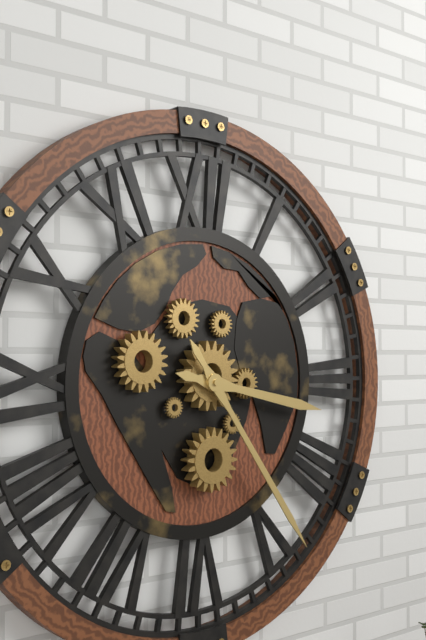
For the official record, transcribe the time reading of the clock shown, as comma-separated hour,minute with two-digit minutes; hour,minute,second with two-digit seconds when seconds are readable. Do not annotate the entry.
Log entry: 3,24
